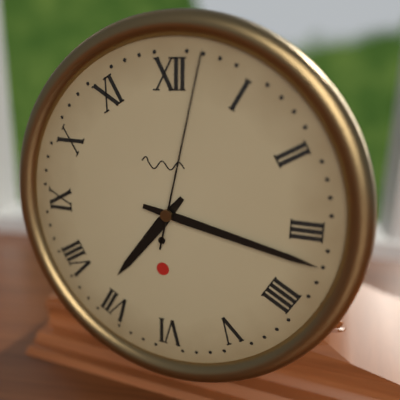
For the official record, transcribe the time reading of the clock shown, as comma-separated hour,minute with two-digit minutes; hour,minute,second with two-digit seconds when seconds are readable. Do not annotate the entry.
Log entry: 7,17,02
